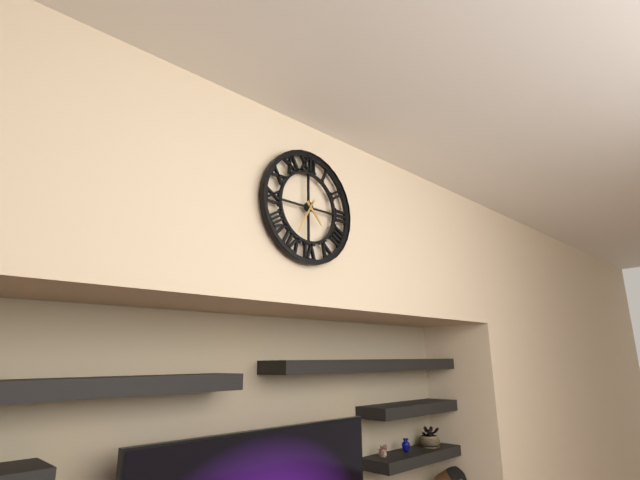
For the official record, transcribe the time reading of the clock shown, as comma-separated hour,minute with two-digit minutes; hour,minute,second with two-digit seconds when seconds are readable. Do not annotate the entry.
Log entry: 4,35
